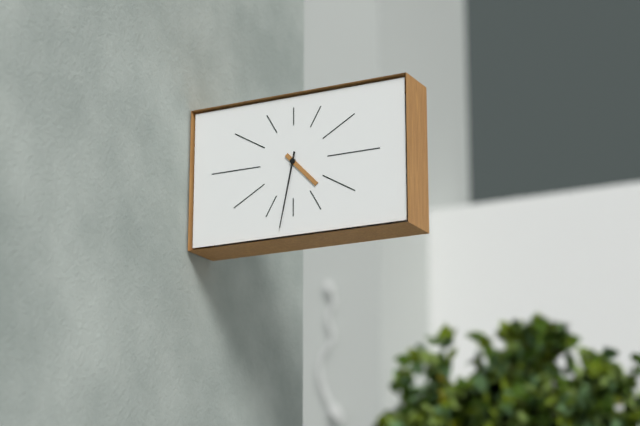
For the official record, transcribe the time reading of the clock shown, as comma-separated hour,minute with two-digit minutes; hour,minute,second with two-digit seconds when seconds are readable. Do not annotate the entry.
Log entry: 4,32
